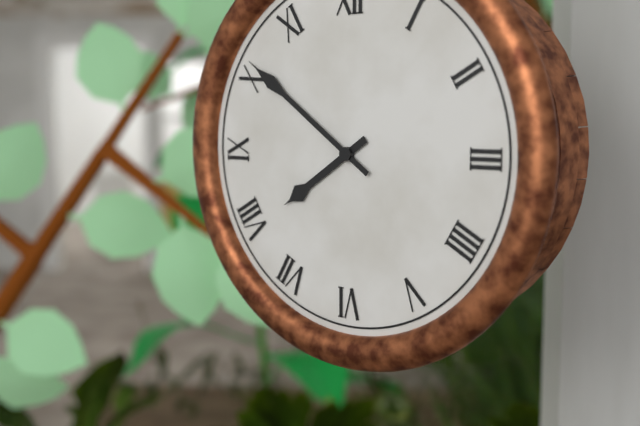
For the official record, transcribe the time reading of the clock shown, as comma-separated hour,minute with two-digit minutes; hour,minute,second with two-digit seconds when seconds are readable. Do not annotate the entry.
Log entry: 7,51
